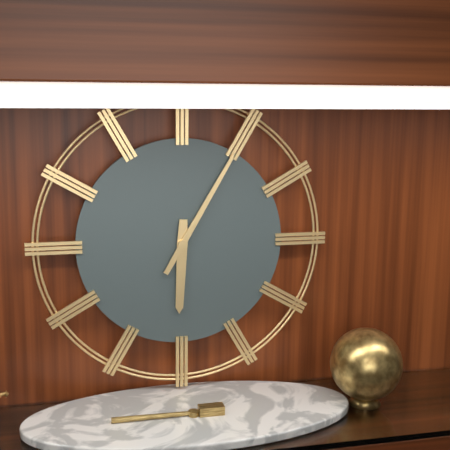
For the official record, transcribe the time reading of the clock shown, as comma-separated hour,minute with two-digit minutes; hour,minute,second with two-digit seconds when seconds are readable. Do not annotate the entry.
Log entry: 6,05
